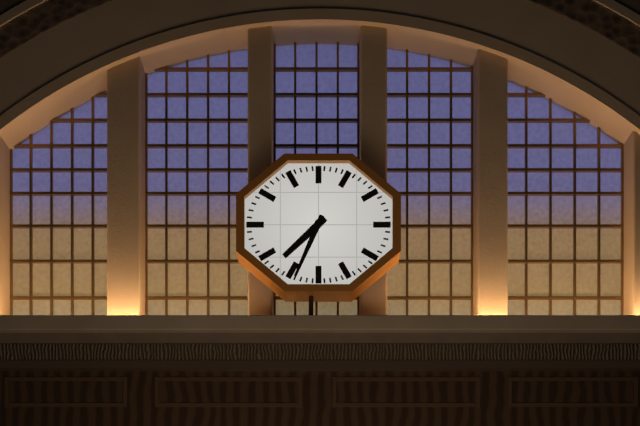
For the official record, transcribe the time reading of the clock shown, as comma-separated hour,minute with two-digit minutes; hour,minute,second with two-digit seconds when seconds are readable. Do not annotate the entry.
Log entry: 7,34
